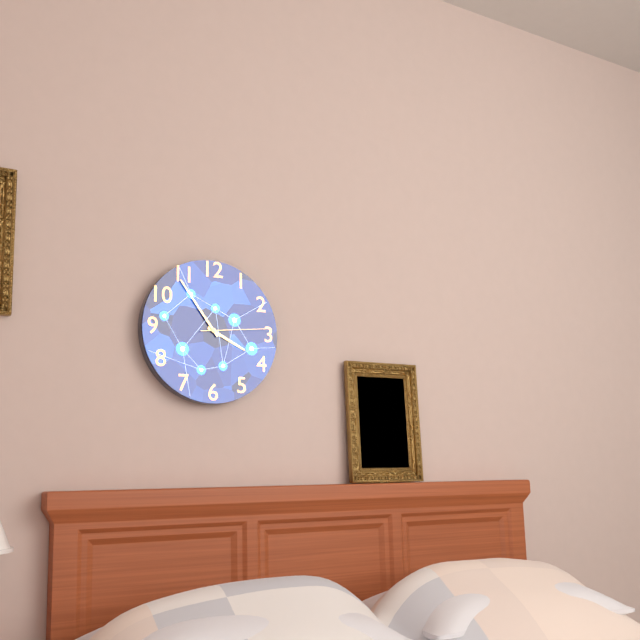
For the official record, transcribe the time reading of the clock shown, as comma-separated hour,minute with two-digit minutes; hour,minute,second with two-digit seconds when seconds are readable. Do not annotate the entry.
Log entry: 3,54,14
